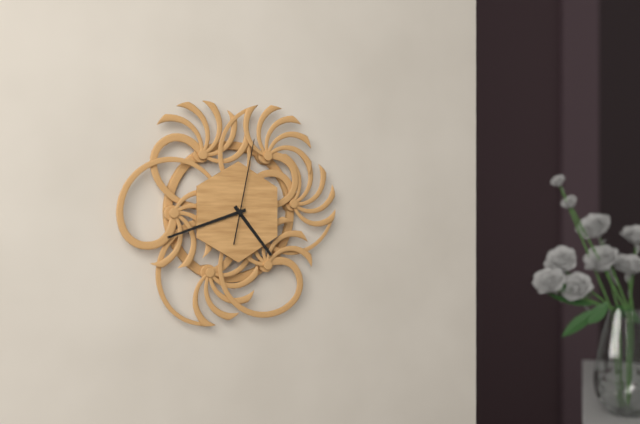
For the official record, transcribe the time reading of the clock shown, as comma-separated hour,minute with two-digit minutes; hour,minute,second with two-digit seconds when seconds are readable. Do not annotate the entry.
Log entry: 4,42,02
